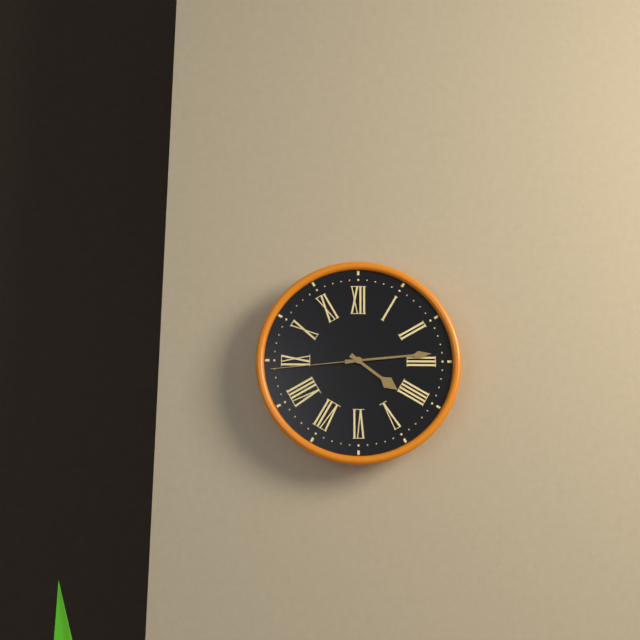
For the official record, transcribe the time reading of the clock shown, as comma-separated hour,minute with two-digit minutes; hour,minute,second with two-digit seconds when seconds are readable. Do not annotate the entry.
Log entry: 4,14,44
